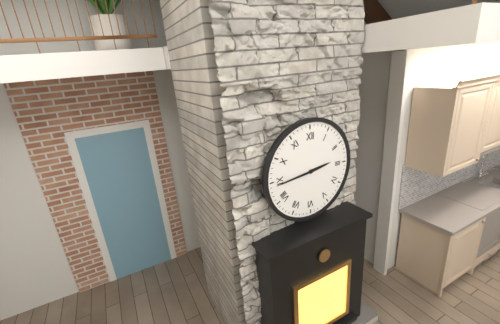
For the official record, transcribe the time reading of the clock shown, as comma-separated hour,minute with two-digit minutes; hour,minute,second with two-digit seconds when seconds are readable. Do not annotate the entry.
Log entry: 2,44
